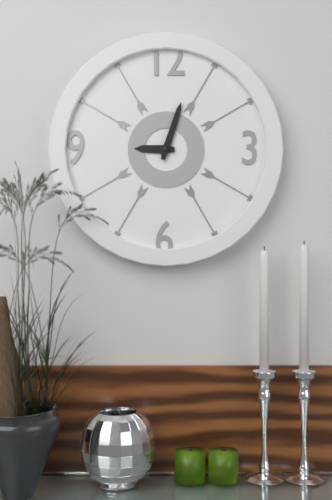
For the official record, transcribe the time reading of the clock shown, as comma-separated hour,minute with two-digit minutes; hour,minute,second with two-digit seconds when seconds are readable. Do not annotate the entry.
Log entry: 9,03
